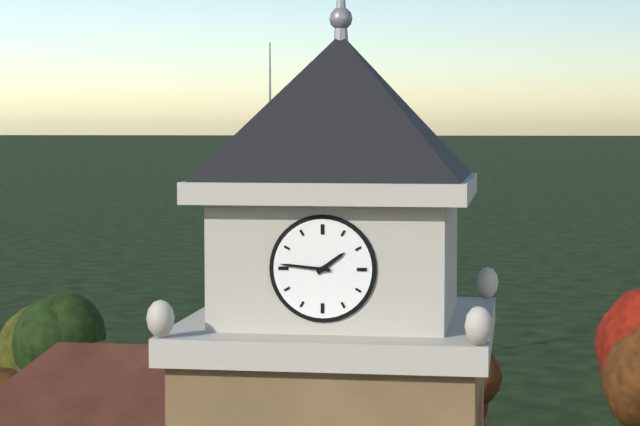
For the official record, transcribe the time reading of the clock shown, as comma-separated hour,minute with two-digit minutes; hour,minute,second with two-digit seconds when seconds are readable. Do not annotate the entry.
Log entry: 1,46
